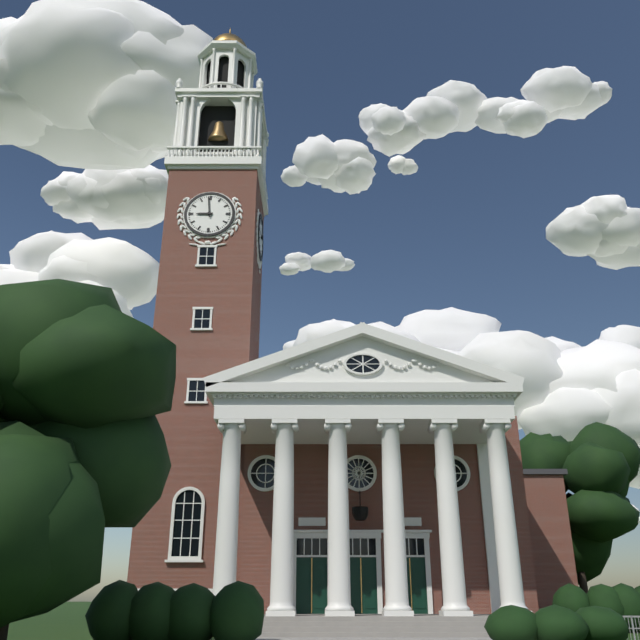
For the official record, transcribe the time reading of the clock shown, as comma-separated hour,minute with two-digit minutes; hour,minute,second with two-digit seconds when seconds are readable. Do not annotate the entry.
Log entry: 8,59
